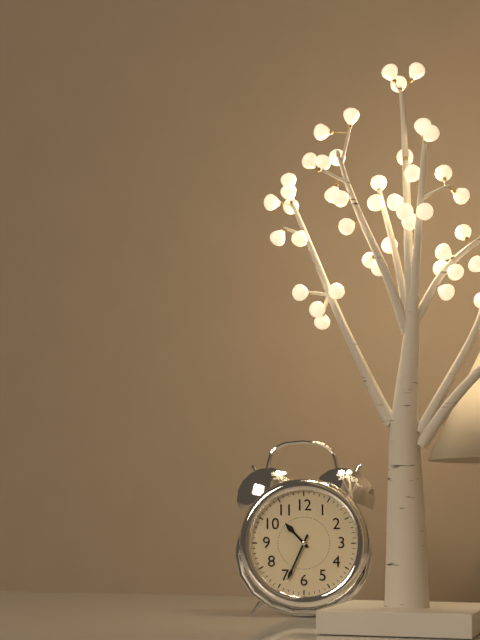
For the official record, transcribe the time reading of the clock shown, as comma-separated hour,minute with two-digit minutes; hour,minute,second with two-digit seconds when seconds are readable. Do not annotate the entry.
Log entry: 10,34
